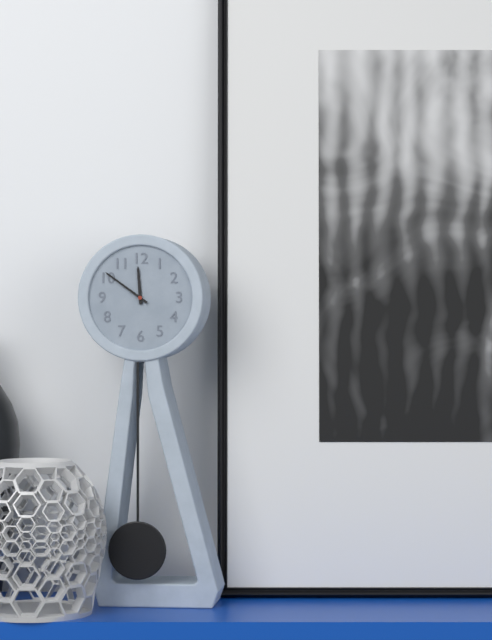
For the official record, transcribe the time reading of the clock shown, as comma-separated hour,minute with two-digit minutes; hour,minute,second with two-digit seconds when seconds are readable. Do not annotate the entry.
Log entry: 11,51
